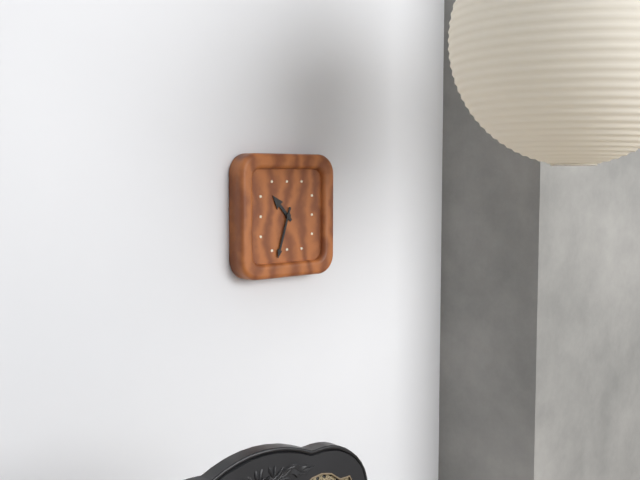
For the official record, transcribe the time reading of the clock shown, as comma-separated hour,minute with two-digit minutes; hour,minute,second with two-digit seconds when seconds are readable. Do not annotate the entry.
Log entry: 10,33
